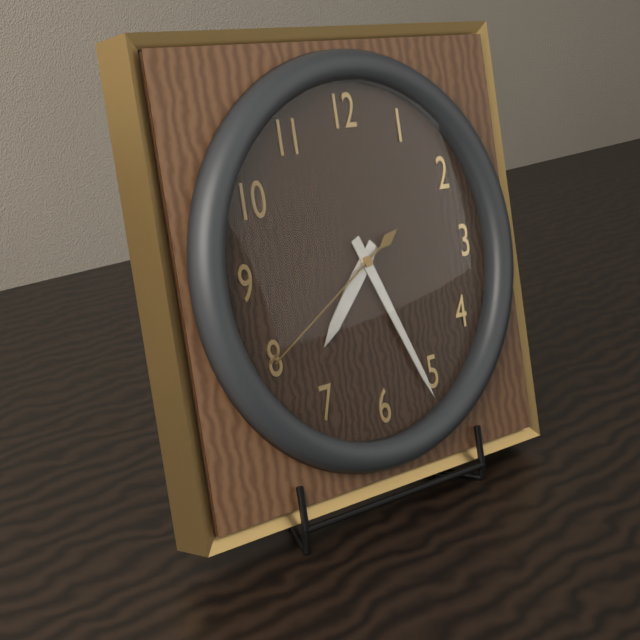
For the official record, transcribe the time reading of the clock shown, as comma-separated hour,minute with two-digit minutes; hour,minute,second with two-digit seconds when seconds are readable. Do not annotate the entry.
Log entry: 7,26,40
